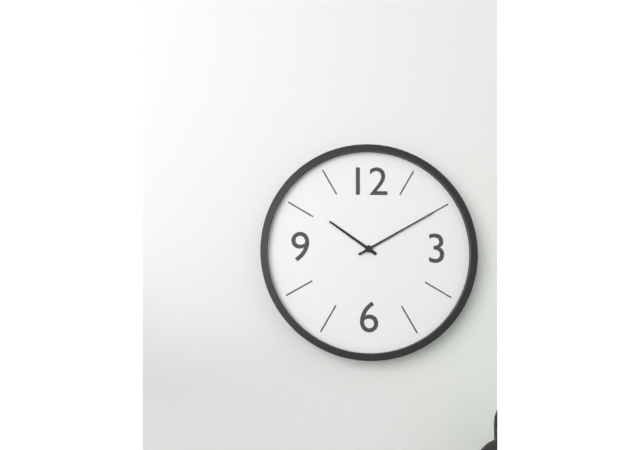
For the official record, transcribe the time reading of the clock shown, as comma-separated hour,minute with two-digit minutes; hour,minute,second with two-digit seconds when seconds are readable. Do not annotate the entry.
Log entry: 10,10
